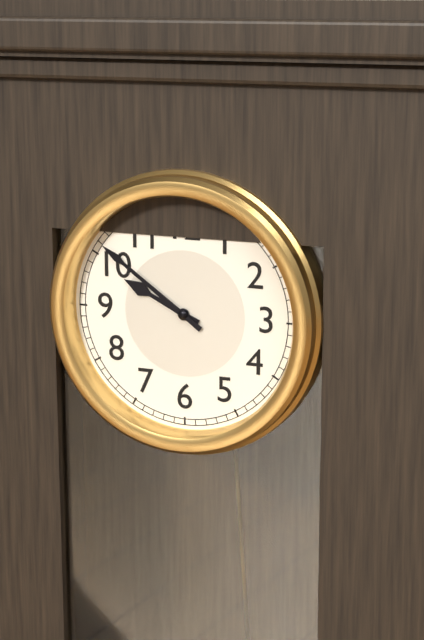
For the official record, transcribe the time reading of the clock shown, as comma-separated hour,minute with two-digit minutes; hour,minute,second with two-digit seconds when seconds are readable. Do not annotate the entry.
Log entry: 9,51
